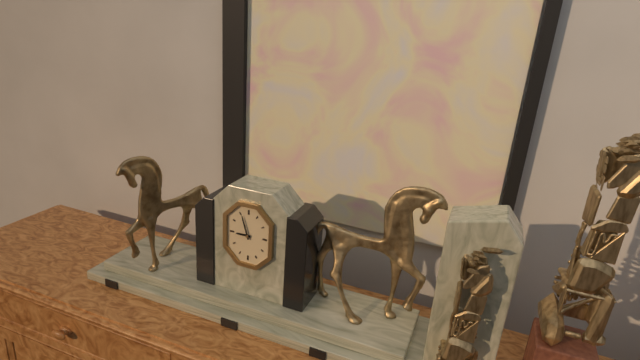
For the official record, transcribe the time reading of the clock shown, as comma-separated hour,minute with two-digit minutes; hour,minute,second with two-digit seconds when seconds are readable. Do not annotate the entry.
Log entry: 8,57
